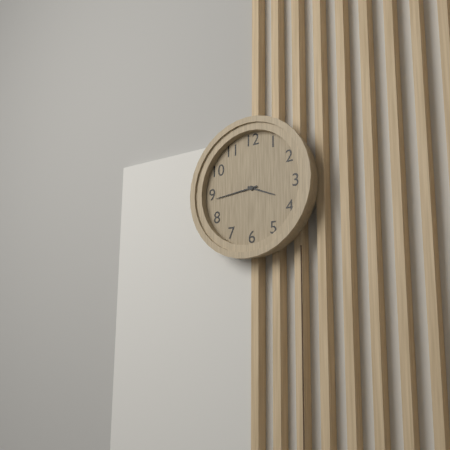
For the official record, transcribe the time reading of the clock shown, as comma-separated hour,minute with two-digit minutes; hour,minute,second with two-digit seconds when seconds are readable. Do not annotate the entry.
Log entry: 3,44
